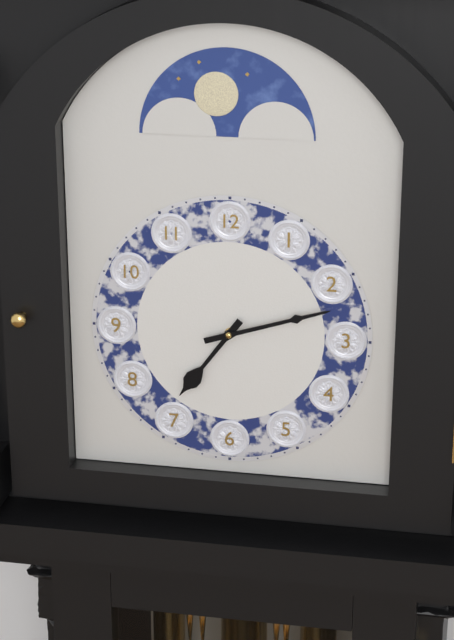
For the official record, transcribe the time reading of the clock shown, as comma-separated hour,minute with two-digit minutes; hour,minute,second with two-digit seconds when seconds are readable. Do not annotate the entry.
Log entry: 7,12
